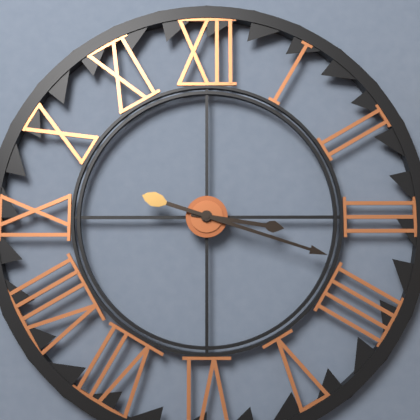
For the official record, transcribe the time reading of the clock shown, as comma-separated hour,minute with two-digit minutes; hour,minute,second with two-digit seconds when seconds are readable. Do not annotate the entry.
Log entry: 3,18
